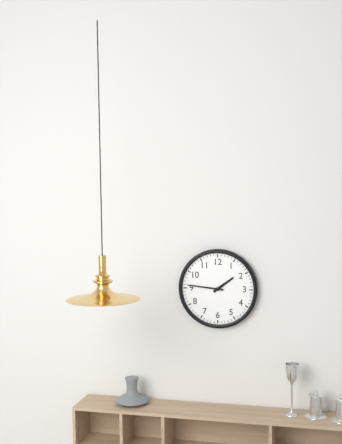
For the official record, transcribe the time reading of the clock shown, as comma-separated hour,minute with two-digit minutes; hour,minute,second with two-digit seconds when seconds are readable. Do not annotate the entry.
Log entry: 1,46
